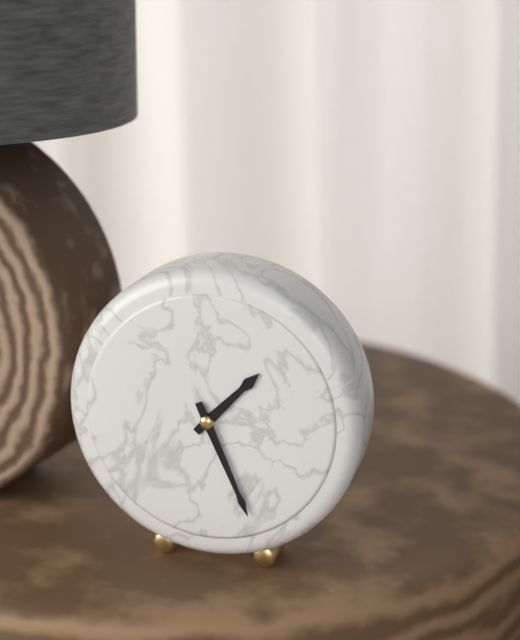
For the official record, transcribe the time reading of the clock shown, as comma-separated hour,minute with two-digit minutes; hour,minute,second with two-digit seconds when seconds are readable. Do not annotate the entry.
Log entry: 1,26
